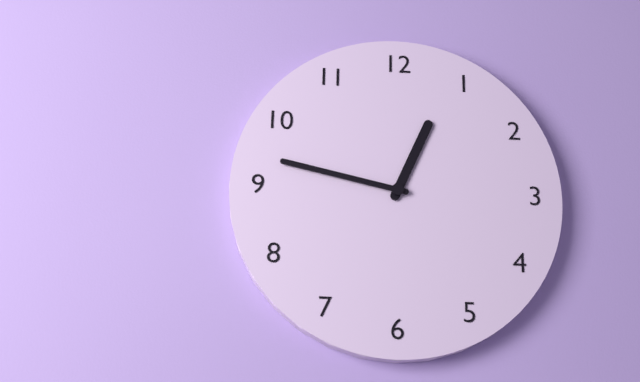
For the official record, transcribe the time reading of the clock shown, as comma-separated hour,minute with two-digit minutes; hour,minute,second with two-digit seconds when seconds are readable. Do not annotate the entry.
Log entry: 12,47
